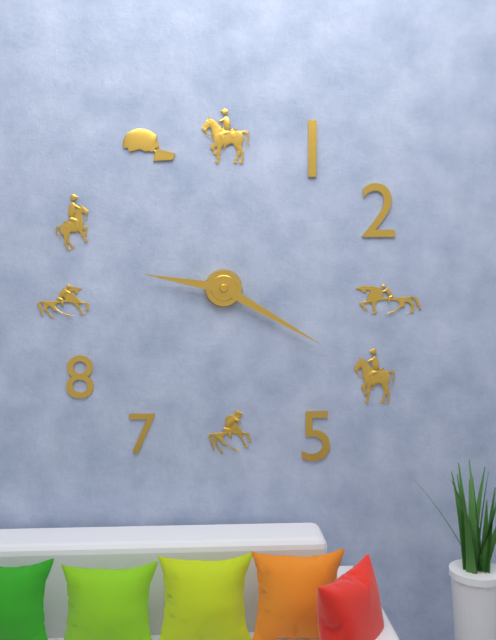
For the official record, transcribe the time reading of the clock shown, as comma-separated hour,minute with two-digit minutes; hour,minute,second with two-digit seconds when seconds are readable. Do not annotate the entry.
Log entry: 9,20
